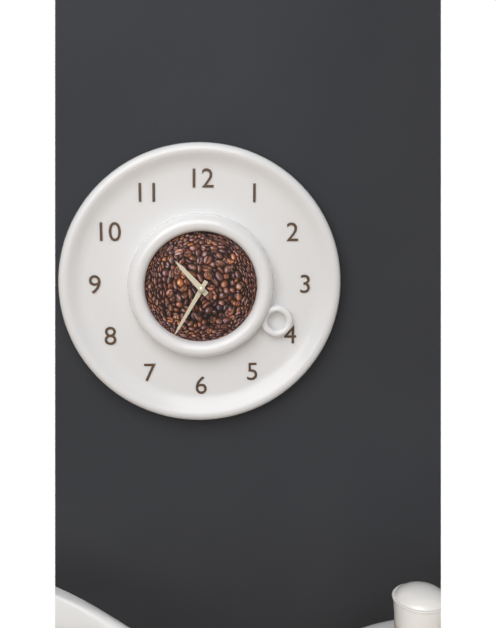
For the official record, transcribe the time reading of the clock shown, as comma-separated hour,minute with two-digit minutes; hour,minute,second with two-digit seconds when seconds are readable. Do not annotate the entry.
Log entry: 10,35
